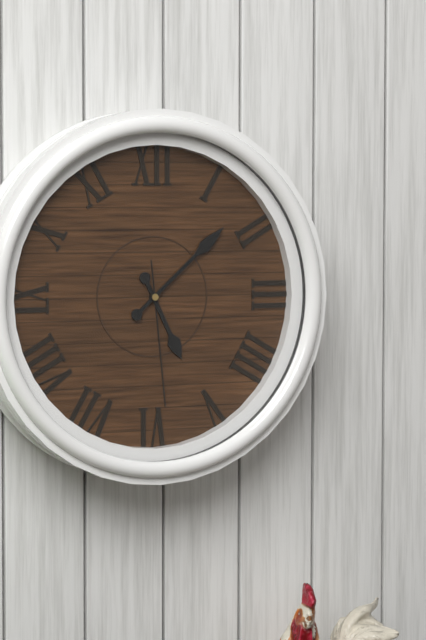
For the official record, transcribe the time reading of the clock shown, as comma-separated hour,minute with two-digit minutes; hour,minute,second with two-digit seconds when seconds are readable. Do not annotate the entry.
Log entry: 5,08,29
